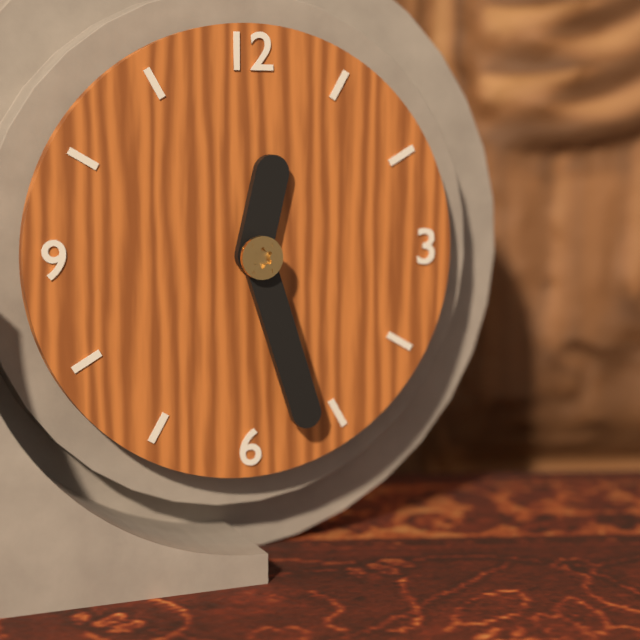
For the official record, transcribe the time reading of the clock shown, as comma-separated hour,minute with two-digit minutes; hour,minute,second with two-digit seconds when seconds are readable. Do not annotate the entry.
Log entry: 12,27
